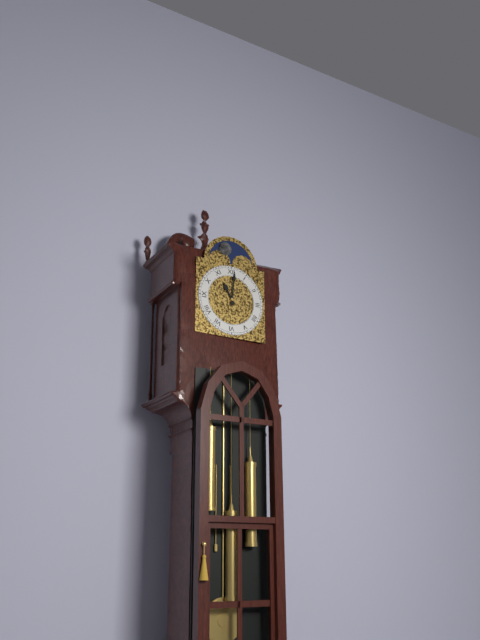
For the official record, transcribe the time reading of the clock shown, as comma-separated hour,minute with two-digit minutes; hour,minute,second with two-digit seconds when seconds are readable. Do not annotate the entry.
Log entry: 11,01
